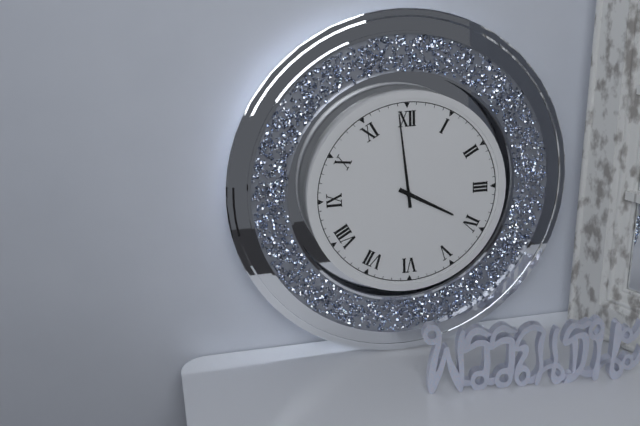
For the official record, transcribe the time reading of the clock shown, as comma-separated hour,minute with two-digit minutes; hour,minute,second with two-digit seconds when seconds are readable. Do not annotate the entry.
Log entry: 3,59
